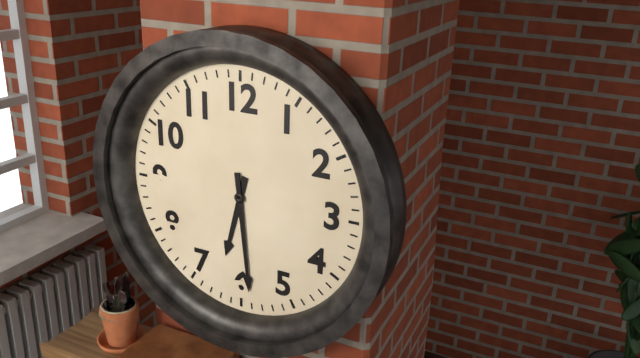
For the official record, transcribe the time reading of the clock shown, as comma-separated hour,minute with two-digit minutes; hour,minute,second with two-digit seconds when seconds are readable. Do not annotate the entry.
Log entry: 6,29
